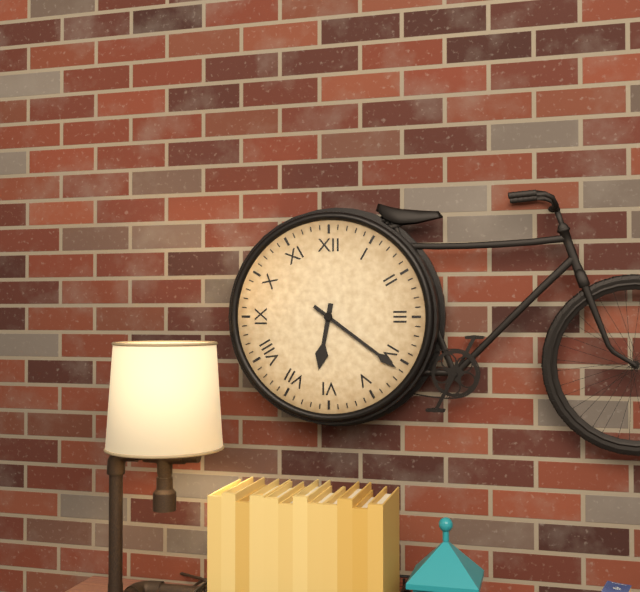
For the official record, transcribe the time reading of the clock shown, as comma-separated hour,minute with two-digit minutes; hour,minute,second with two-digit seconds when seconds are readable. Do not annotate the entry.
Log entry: 6,21
